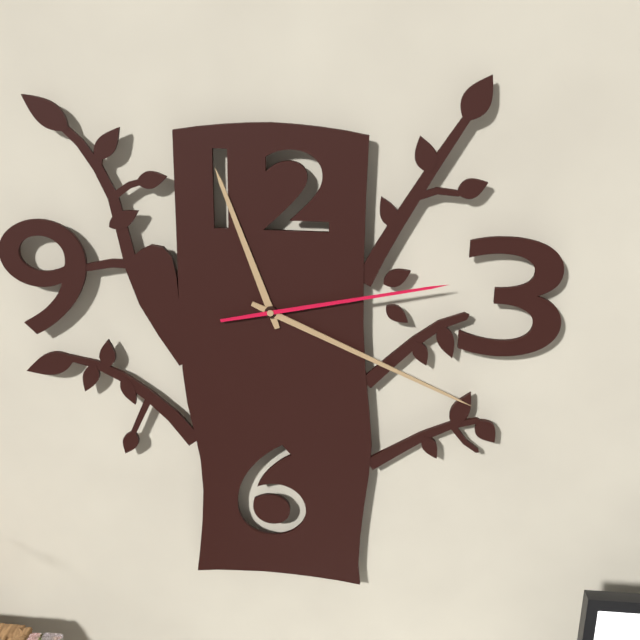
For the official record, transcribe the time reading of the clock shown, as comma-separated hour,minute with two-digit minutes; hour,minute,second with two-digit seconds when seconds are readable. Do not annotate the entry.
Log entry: 11,19,13
